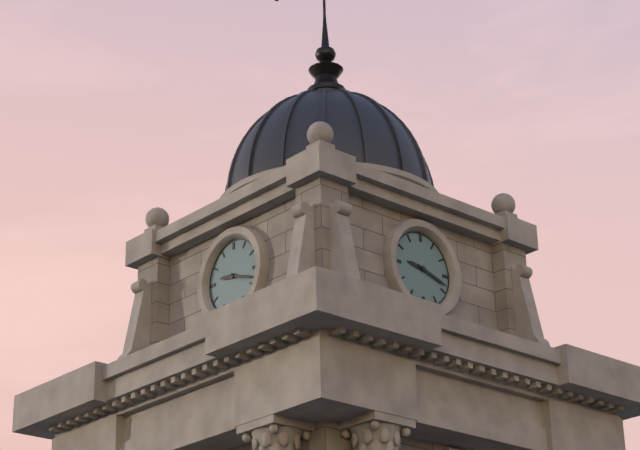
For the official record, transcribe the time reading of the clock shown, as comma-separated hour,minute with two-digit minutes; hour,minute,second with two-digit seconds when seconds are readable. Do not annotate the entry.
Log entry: 9,18
